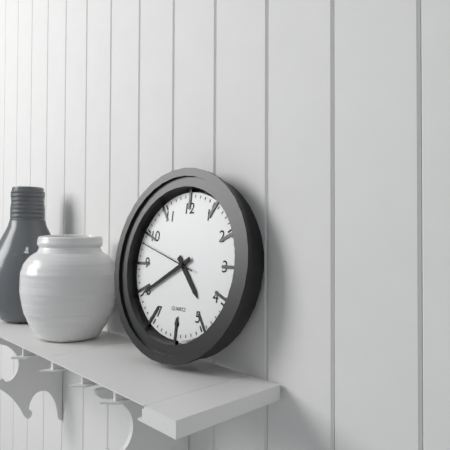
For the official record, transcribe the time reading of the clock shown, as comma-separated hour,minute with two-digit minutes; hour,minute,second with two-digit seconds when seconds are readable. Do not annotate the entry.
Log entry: 4,40,48
